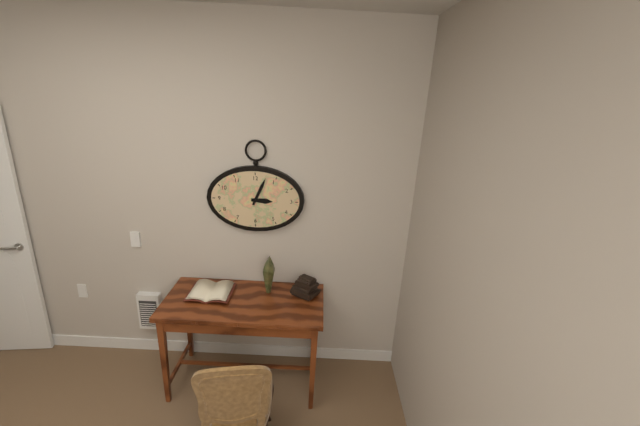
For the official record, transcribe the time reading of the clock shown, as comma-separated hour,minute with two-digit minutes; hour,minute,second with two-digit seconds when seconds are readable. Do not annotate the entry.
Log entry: 3,04
